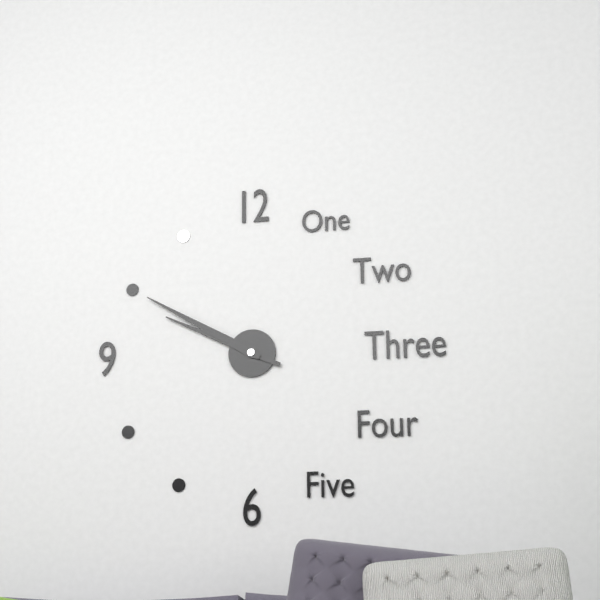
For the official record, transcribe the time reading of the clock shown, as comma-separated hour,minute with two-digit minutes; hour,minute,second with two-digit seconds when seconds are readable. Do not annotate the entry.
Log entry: 9,50
